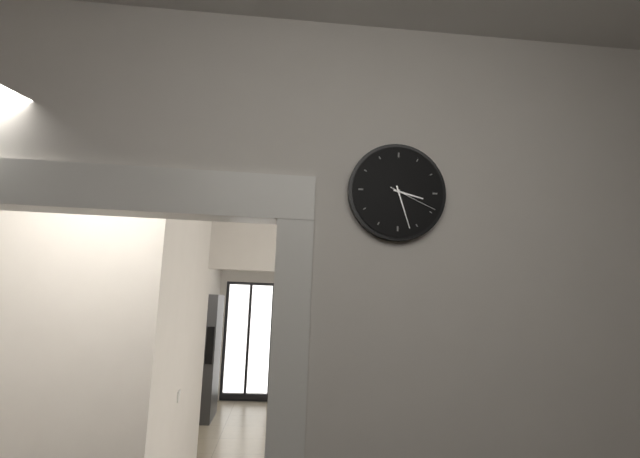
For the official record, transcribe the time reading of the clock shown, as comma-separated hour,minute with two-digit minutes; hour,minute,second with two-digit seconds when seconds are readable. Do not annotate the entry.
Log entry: 3,27,19
